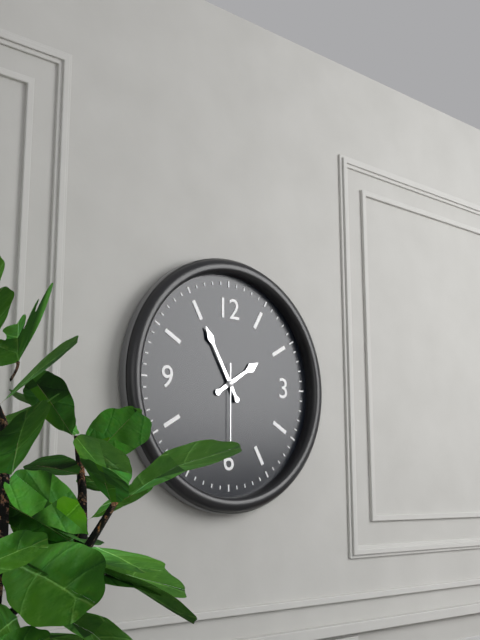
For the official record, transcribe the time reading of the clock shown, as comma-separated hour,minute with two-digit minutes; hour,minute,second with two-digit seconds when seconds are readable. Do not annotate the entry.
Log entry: 1,55,30
